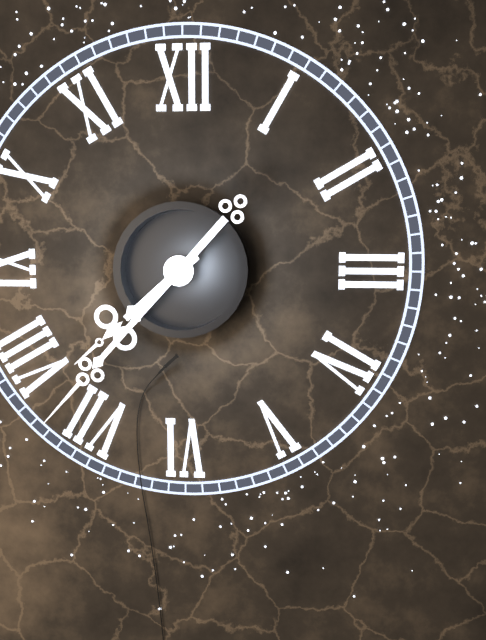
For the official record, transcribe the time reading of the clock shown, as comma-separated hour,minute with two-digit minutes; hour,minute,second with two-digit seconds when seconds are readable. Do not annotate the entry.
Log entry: 7,37
